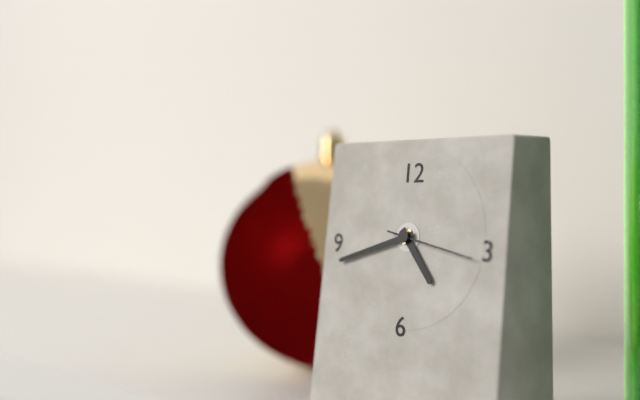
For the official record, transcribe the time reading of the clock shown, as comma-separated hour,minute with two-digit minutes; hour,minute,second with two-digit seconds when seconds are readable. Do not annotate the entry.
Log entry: 4,42,17
